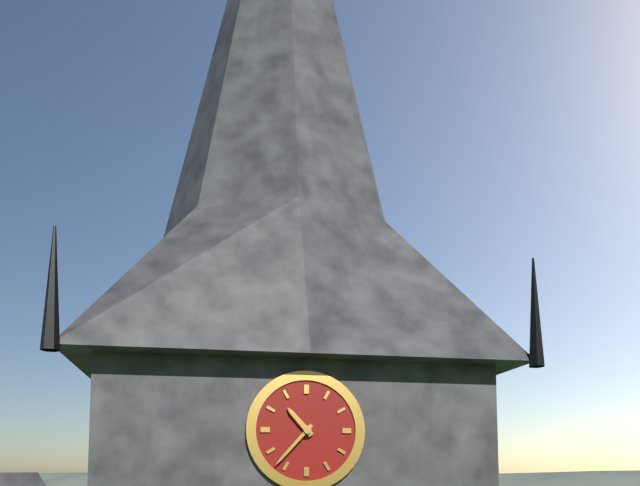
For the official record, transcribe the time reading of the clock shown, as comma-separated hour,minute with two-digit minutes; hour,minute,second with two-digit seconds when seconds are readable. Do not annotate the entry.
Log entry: 10,37
